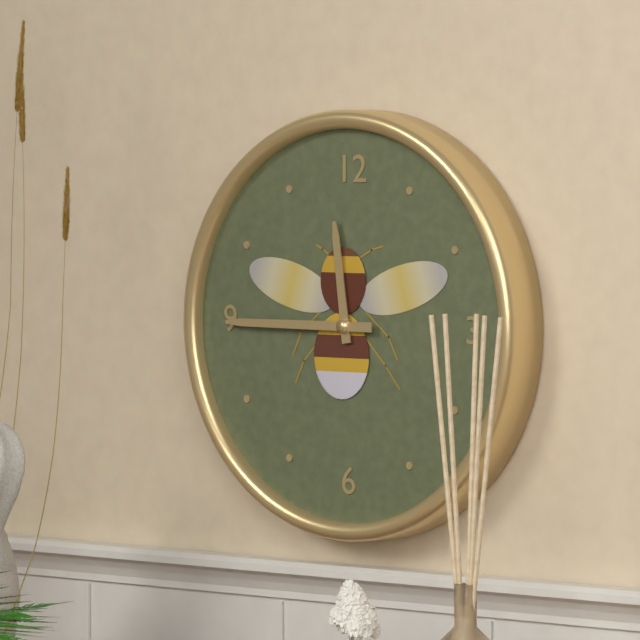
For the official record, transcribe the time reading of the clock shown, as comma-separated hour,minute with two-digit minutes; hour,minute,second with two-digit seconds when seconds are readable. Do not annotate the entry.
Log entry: 11,45
